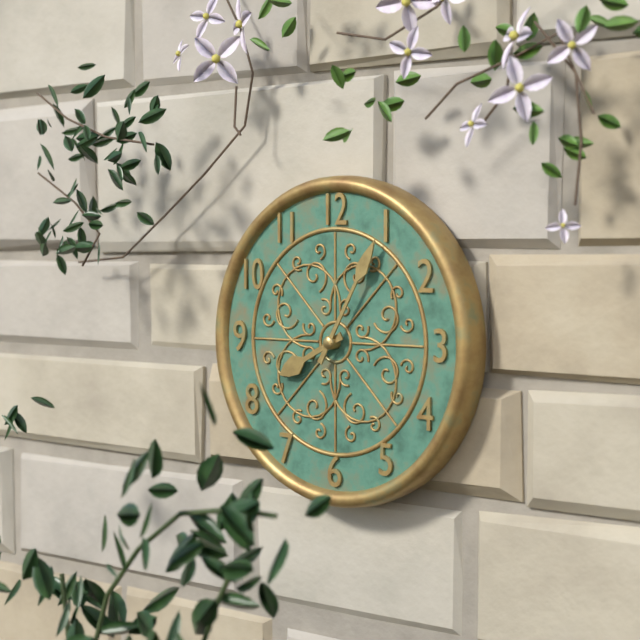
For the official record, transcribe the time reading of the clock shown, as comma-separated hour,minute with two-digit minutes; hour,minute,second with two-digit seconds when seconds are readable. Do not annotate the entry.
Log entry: 8,05
